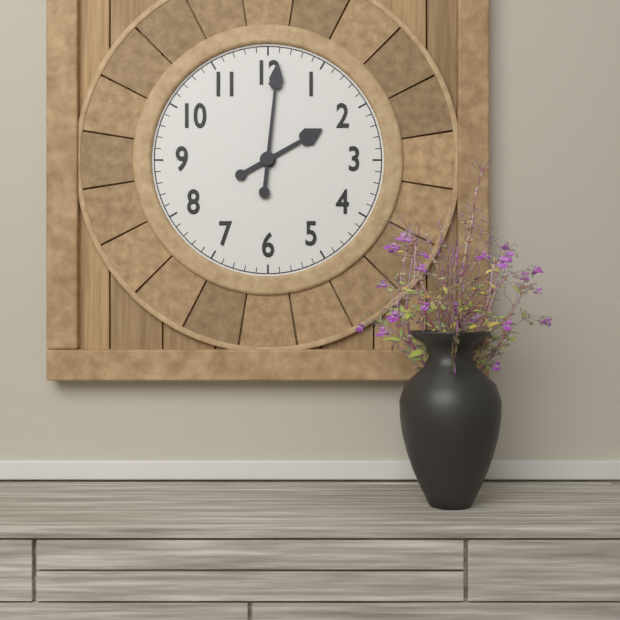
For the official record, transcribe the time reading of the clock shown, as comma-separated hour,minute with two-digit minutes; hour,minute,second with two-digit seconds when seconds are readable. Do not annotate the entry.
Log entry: 2,01
